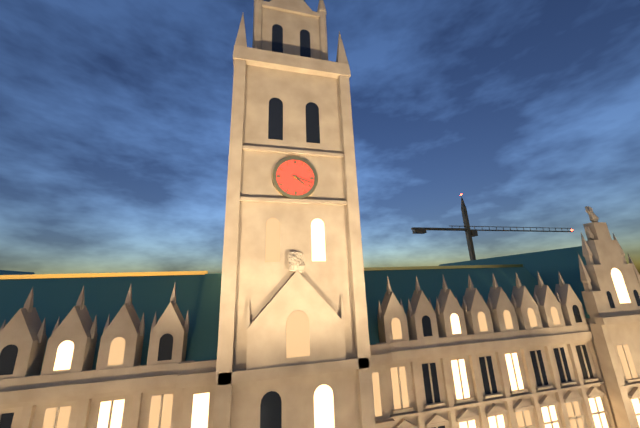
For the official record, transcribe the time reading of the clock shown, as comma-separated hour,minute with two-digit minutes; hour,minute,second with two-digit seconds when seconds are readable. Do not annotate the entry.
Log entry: 4,18
